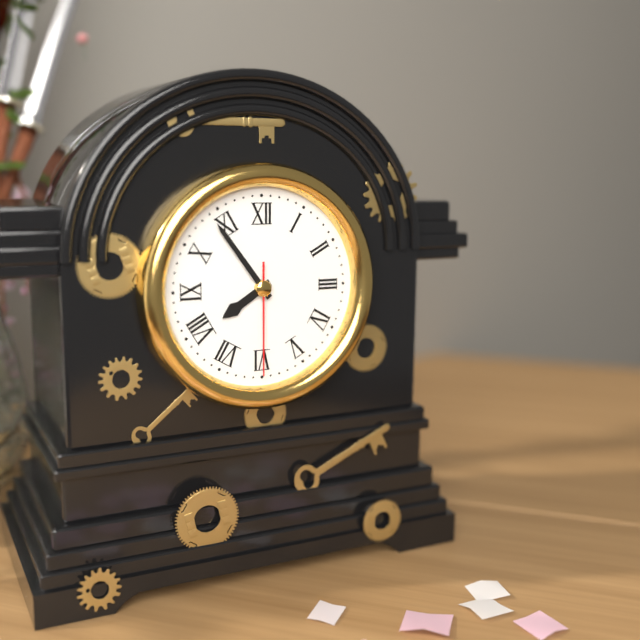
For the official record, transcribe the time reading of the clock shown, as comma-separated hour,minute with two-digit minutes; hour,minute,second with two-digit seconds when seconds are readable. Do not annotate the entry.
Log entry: 7,54,30
